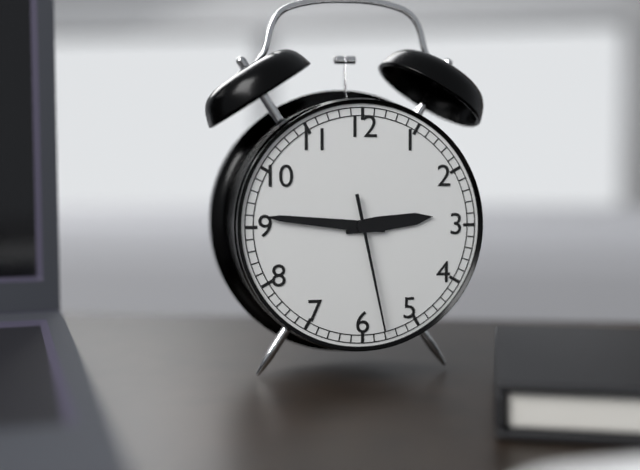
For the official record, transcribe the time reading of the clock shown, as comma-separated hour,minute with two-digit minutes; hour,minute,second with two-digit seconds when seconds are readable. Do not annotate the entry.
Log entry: 2,46,28
